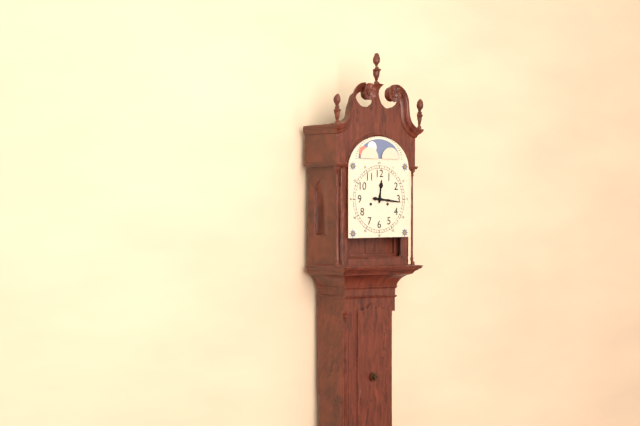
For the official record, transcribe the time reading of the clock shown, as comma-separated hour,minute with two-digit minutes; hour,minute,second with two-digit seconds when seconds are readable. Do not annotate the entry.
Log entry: 12,16
